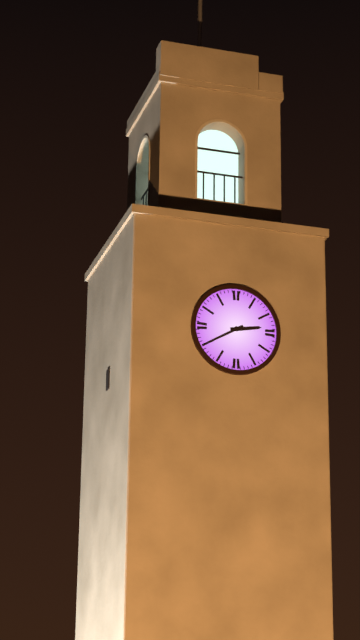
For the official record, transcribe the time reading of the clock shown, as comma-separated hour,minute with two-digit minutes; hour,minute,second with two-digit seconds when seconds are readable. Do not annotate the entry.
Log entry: 2,40
